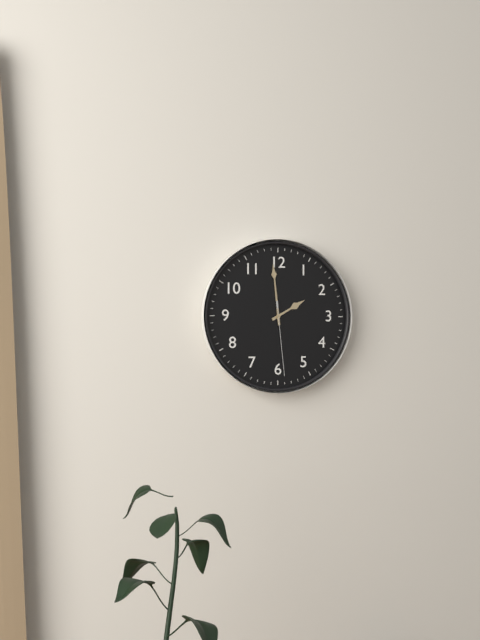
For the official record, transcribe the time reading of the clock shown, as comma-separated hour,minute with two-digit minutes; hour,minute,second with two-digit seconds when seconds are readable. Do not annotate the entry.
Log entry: 1,59,29
